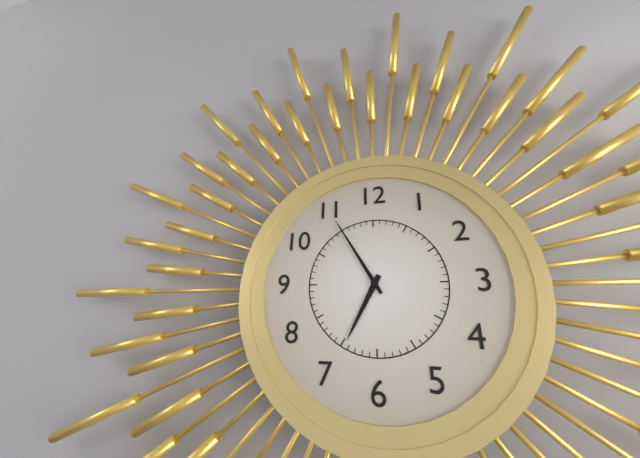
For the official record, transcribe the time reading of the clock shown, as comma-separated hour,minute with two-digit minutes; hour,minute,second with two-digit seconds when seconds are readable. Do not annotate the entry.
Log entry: 6,55
